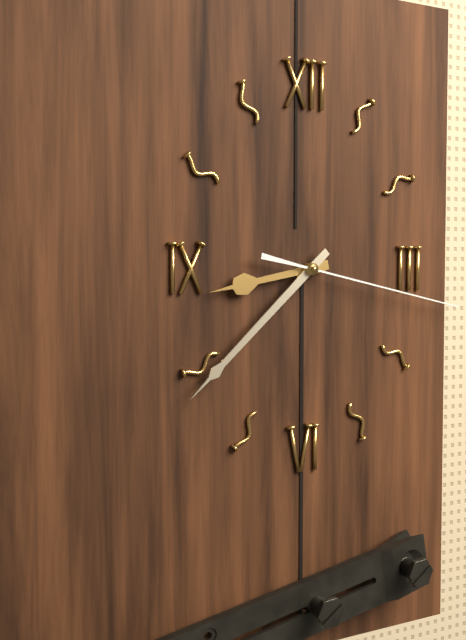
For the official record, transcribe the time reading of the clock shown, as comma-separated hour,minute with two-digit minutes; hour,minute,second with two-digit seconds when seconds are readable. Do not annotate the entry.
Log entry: 8,38,17
